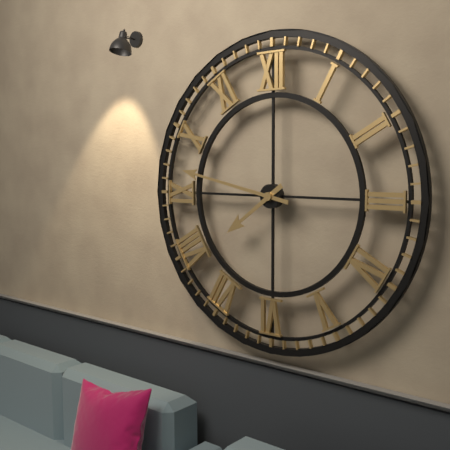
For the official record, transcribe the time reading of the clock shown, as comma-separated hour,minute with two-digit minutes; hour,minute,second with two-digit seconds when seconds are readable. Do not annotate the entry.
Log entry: 7,47
